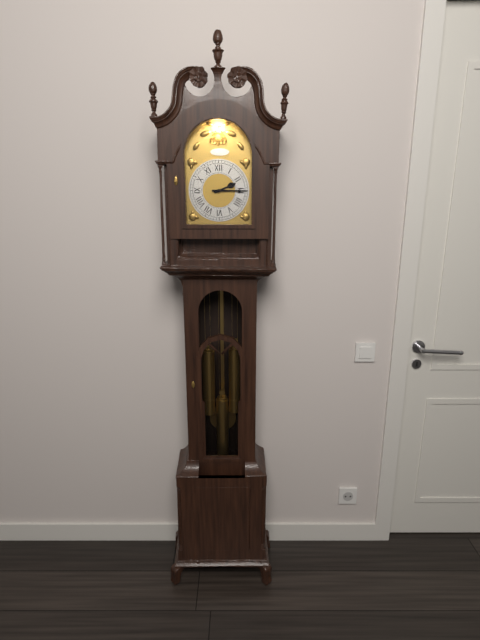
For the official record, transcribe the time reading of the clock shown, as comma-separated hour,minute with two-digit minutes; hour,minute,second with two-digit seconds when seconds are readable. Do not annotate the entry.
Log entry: 2,15
